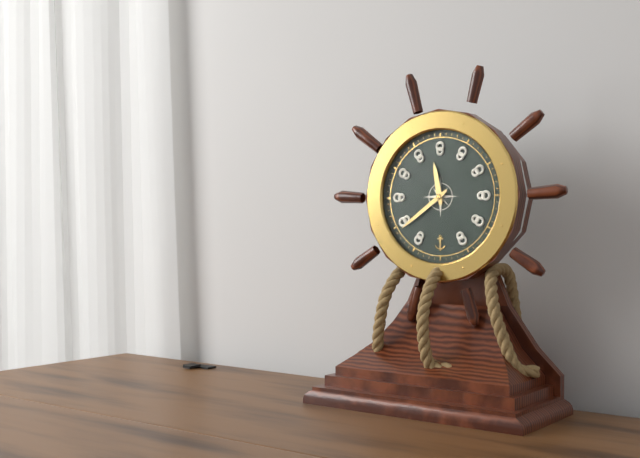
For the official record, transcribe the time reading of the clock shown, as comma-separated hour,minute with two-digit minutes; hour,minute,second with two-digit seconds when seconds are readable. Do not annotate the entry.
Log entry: 11,39
